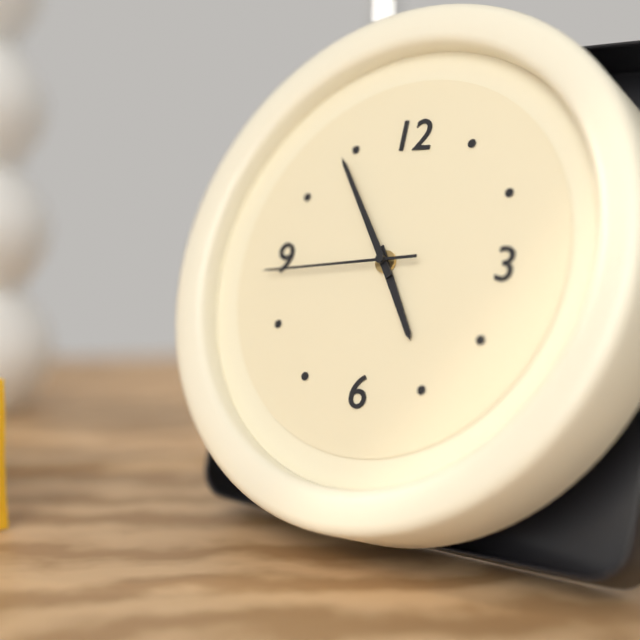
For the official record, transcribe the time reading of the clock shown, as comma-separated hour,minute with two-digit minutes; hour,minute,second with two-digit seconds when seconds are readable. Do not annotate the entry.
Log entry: 4,54,44
